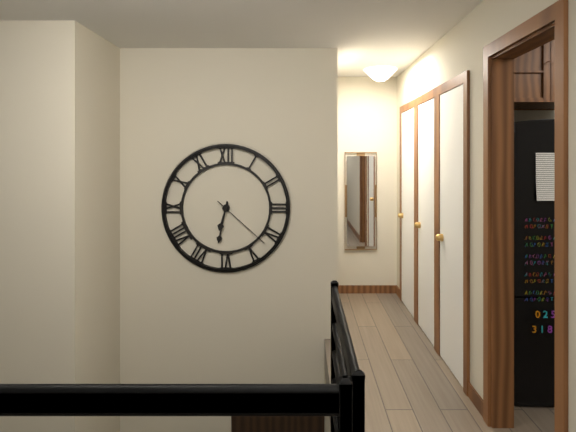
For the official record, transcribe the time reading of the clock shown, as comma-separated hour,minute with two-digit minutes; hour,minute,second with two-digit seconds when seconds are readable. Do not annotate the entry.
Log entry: 6,32,22
